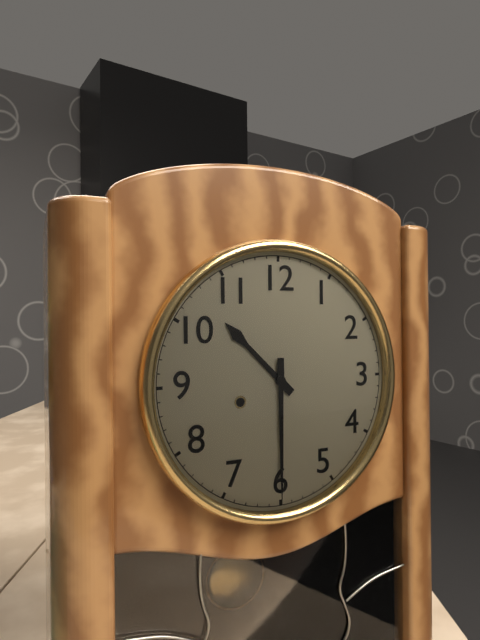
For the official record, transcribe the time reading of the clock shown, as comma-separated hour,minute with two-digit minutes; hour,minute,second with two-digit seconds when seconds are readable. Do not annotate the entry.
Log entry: 10,30
